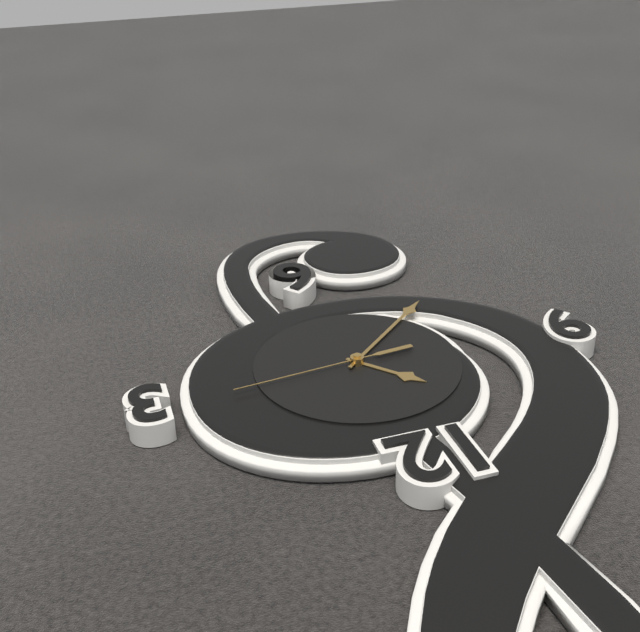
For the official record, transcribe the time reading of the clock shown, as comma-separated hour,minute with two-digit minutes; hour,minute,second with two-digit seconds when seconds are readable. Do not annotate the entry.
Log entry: 10,38,14
